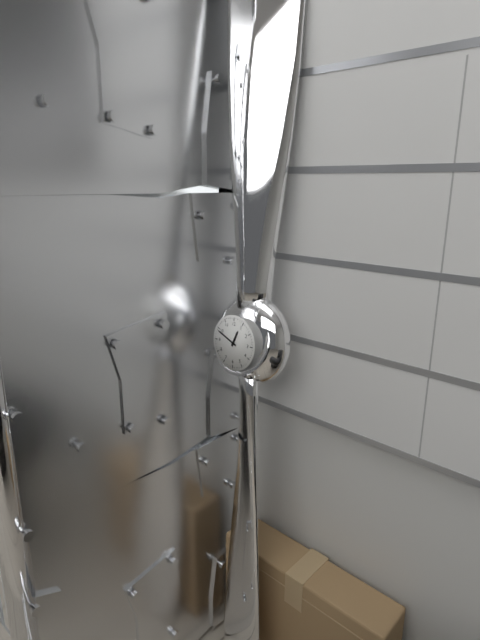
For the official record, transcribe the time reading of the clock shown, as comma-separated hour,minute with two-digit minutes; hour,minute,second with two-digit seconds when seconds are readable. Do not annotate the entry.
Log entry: 12,49
